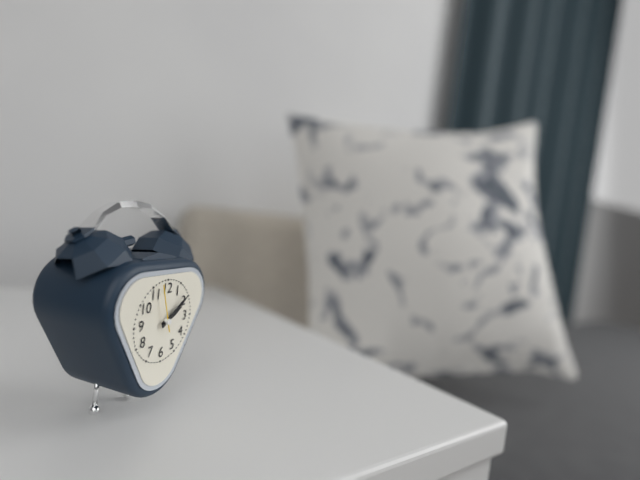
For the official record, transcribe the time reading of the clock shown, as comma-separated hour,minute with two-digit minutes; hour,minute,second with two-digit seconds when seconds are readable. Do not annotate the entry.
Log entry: 2,09
